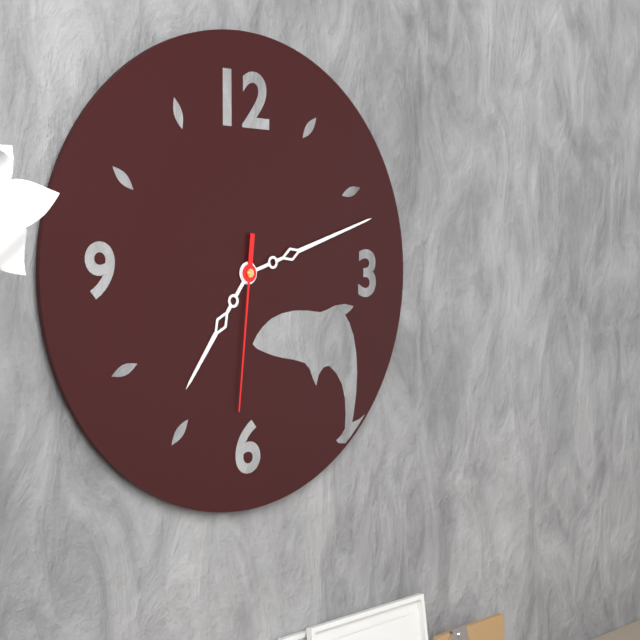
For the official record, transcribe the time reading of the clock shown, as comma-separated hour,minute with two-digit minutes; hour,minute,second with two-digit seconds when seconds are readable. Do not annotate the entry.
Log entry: 7,12,31
